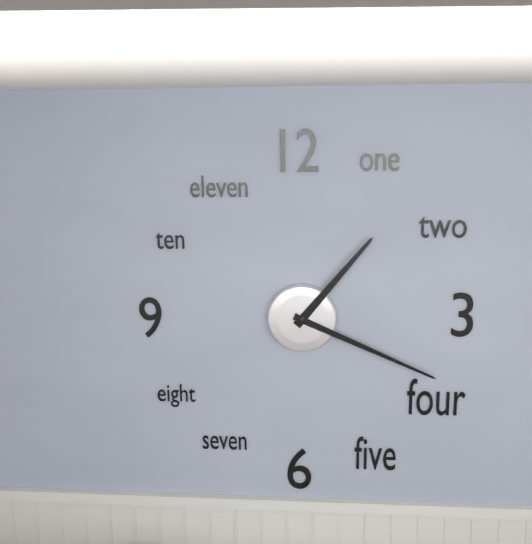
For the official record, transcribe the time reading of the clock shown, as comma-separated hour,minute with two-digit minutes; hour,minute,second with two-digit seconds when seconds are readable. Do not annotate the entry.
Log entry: 1,19
